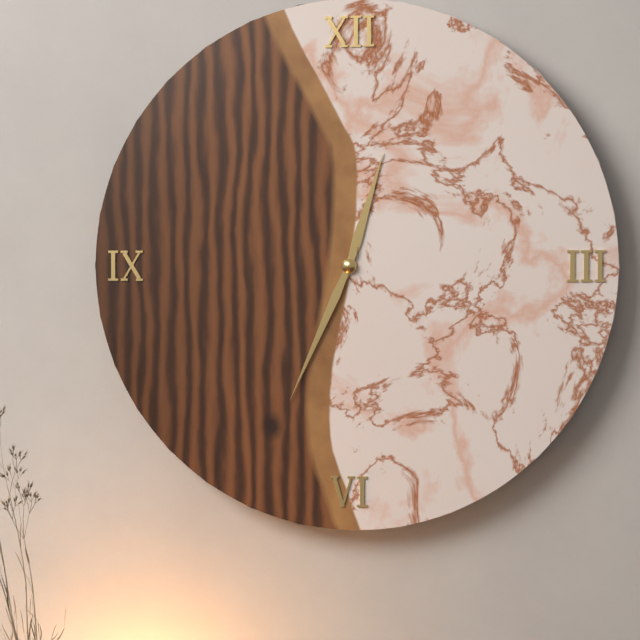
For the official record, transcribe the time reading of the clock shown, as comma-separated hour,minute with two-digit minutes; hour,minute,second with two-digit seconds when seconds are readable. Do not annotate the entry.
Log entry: 12,34
